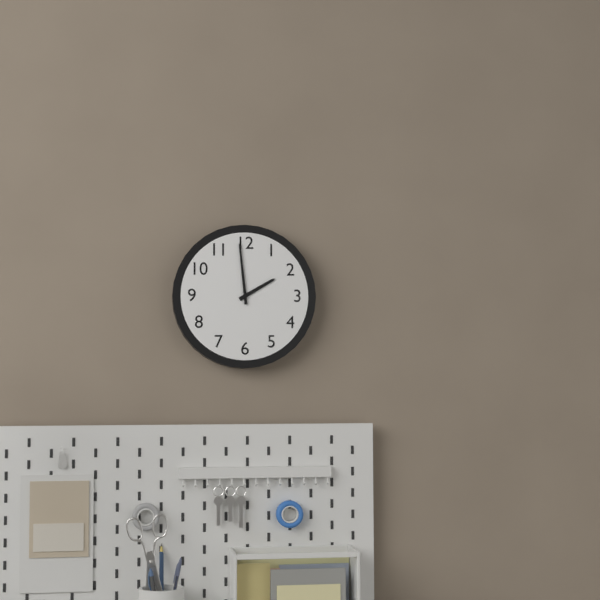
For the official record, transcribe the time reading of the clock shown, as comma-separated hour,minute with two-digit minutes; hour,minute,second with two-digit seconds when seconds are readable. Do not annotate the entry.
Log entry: 1,59
